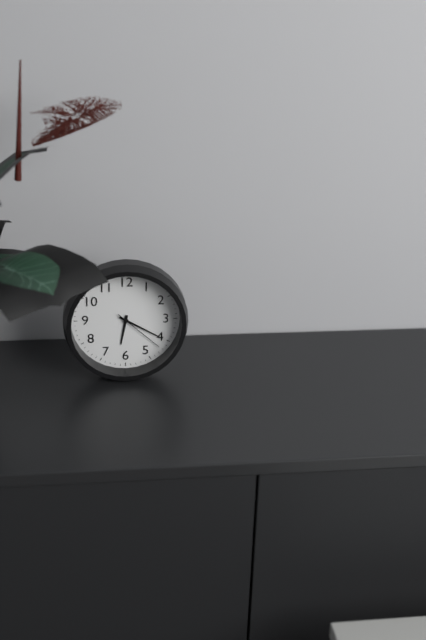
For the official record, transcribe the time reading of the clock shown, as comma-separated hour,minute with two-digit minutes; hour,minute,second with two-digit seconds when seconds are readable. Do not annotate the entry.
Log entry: 6,20,22
